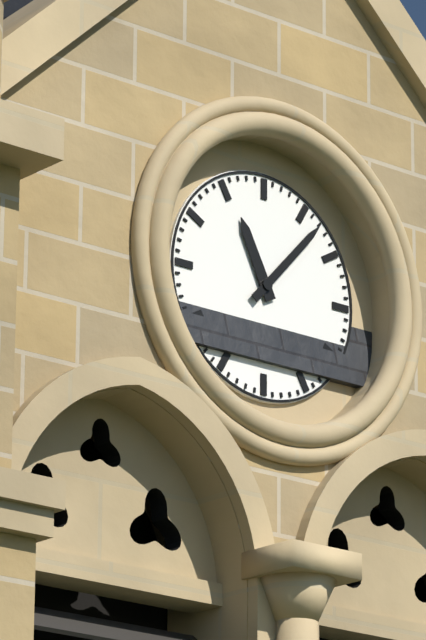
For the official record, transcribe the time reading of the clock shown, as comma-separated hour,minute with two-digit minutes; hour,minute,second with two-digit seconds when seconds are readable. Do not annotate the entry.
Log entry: 11,07
